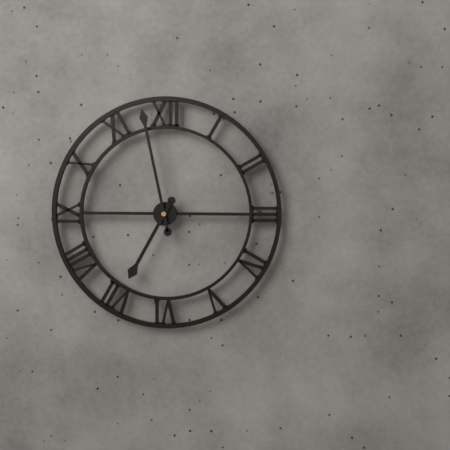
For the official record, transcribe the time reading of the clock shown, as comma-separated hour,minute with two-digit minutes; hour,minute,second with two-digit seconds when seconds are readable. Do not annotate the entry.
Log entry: 6,58
